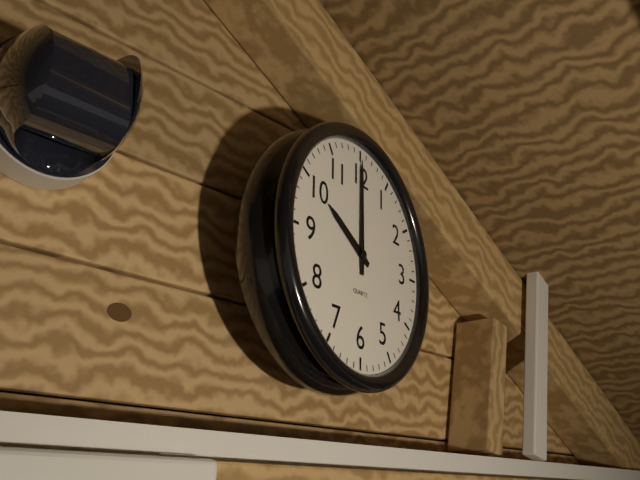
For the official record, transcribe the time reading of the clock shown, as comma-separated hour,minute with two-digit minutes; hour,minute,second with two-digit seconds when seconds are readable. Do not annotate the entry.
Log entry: 10,00
